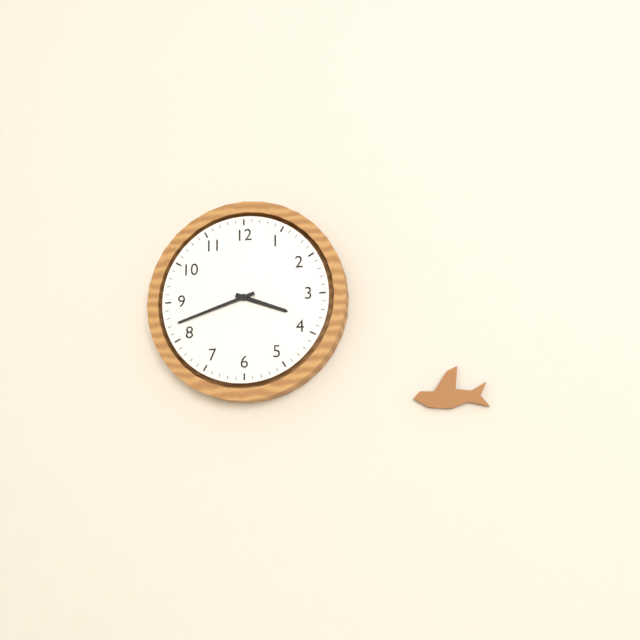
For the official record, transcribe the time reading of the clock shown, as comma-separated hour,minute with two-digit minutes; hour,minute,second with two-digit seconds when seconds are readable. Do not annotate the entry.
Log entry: 3,42
